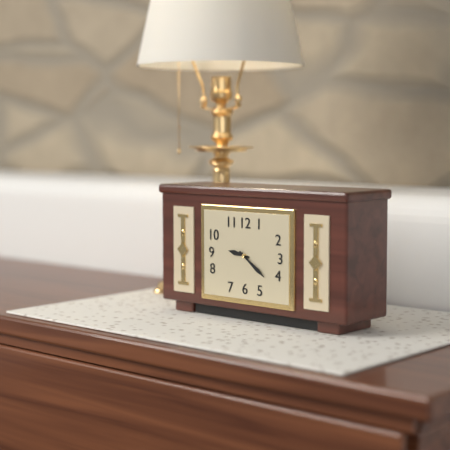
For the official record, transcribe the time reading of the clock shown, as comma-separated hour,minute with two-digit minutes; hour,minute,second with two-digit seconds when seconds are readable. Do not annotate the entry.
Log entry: 9,21
